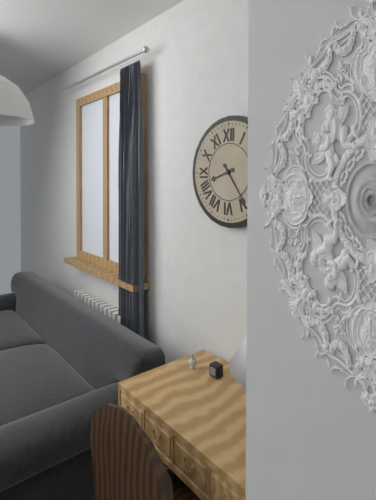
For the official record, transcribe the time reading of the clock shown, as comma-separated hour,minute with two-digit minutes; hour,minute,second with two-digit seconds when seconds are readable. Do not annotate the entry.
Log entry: 8,24
